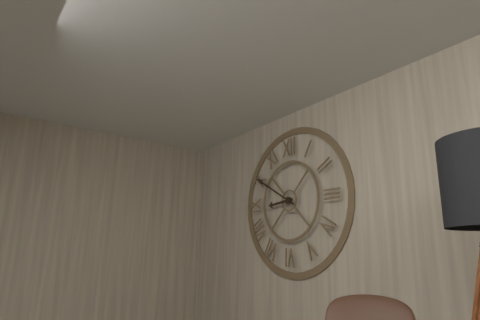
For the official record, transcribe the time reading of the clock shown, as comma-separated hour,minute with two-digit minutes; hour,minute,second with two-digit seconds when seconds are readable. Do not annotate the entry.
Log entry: 8,50
